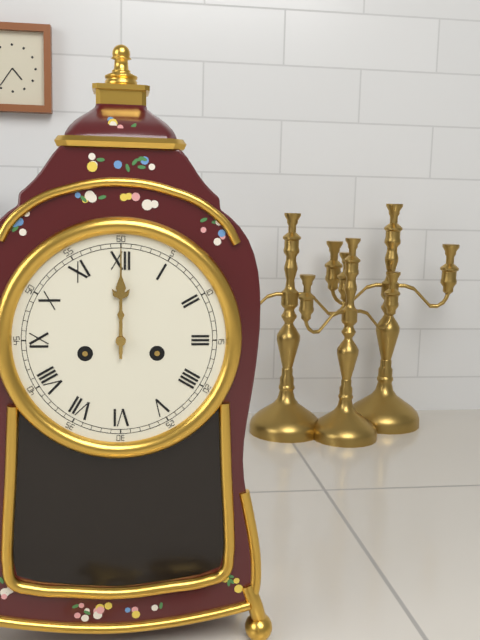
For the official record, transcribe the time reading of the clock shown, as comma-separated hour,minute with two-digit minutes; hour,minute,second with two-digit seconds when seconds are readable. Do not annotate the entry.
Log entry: 12,00
